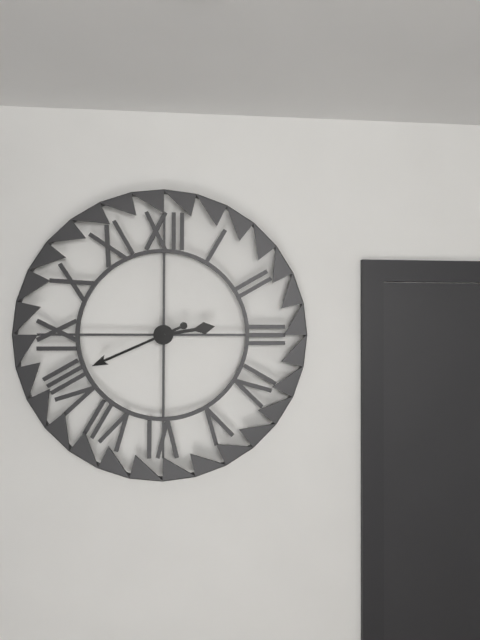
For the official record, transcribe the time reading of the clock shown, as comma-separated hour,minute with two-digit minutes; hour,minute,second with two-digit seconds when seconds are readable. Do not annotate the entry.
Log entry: 2,41
